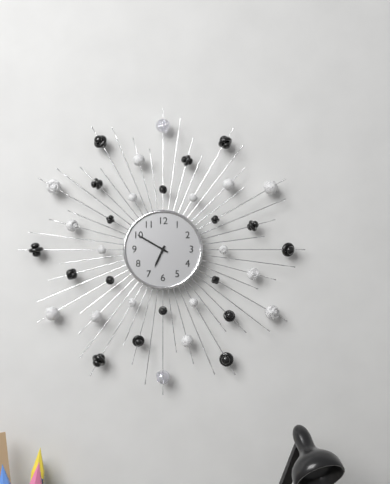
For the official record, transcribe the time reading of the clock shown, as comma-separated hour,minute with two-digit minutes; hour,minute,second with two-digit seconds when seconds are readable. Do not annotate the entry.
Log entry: 6,50
